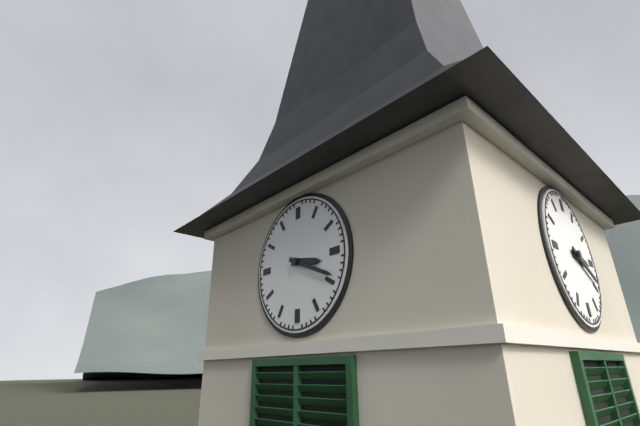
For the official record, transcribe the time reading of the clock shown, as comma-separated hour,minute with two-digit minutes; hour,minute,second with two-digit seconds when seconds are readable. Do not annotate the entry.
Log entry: 3,19
